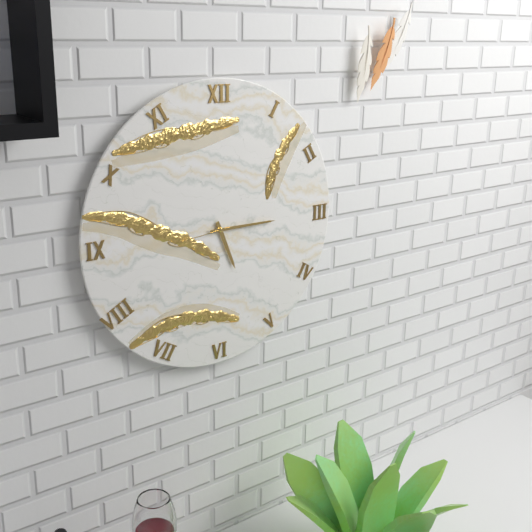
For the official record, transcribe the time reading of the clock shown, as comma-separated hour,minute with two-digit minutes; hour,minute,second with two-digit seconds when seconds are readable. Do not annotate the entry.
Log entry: 5,15
